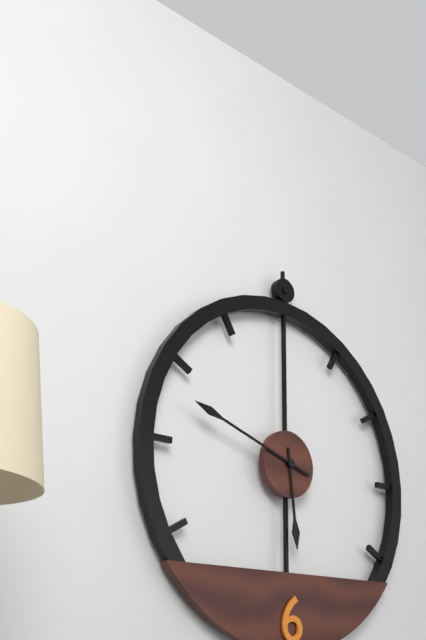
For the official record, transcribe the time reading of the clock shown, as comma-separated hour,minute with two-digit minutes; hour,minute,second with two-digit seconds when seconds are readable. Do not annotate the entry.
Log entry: 5,48
